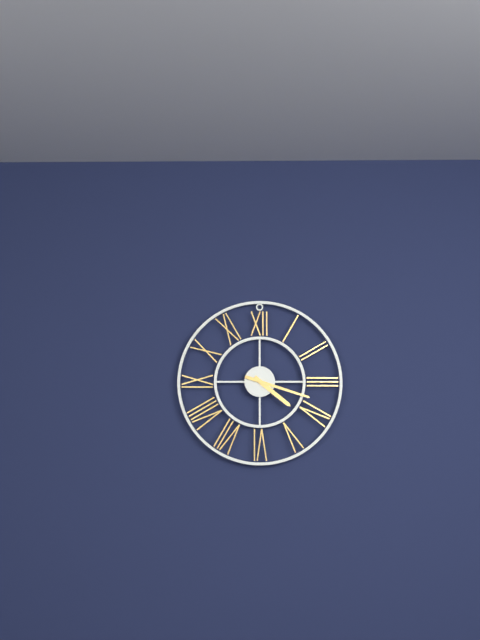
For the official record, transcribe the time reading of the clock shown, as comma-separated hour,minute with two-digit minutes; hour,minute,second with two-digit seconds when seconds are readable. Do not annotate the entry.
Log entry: 4,18
